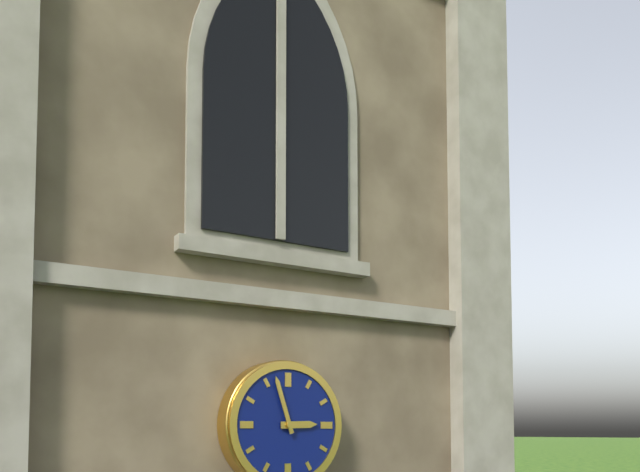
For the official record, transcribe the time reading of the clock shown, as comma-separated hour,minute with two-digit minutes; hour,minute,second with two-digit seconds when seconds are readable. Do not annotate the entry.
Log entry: 2,57
